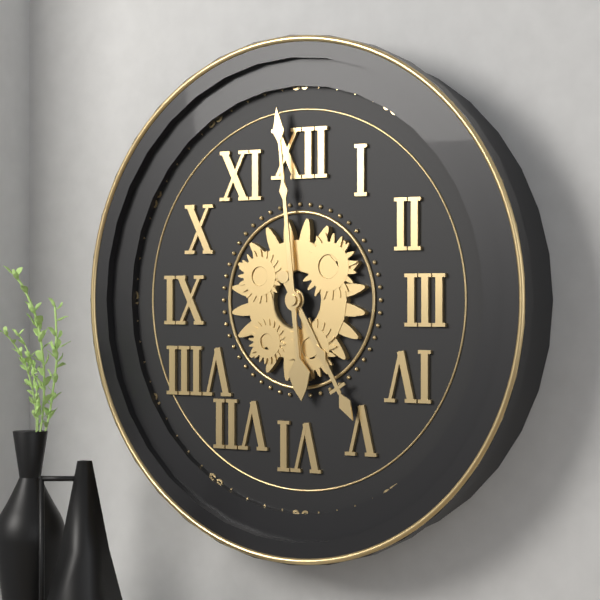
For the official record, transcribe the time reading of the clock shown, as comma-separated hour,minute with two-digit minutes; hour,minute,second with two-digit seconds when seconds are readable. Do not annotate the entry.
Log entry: 4,59
